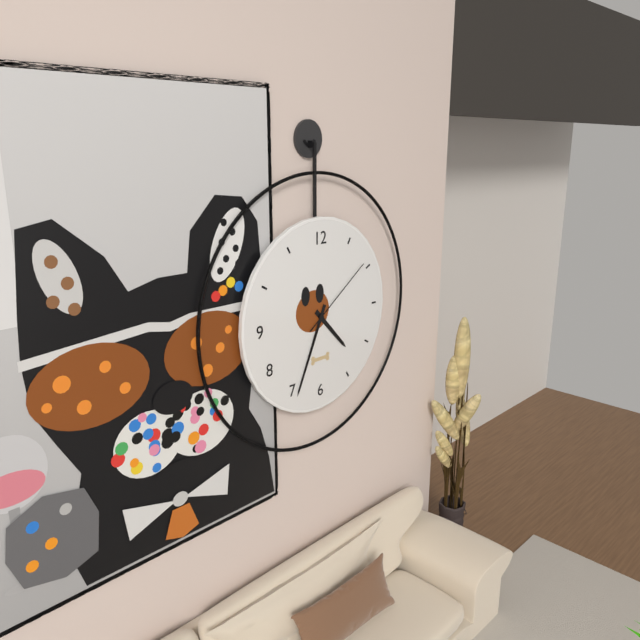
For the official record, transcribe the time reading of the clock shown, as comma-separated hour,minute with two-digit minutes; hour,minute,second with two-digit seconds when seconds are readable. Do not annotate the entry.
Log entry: 4,34,09
